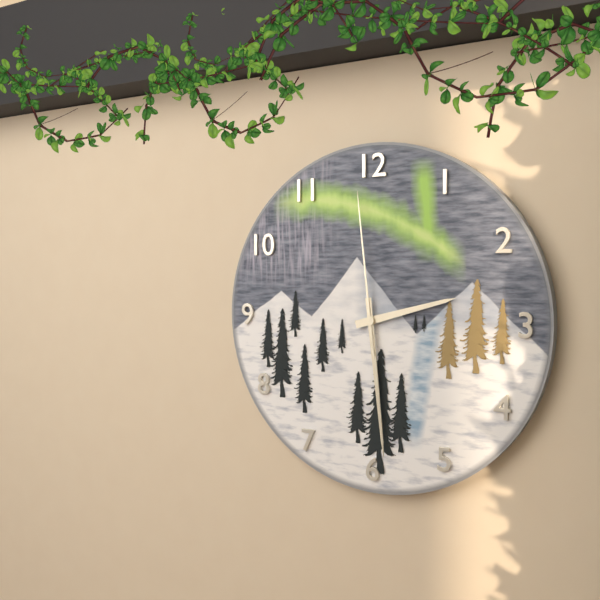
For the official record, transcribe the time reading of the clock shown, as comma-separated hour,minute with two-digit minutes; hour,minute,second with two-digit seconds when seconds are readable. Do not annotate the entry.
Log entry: 2,29,59
